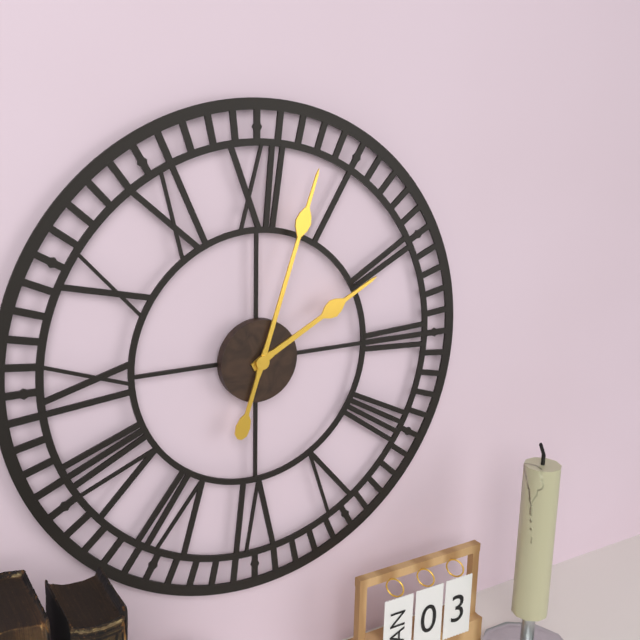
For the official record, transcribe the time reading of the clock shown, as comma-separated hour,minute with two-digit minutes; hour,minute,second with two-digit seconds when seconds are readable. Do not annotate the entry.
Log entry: 2,03
